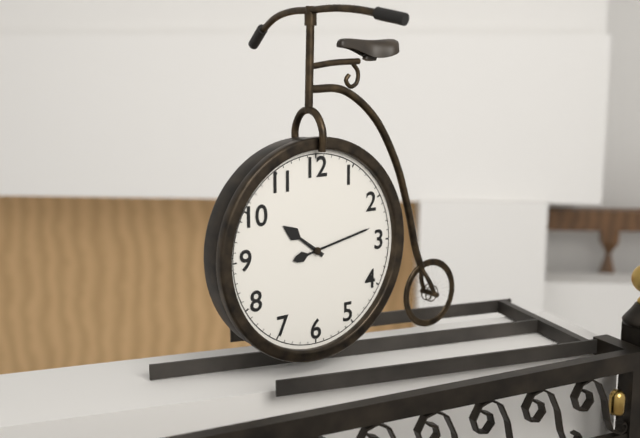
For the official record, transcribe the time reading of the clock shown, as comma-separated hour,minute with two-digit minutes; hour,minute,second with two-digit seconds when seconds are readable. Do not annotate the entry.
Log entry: 10,13
